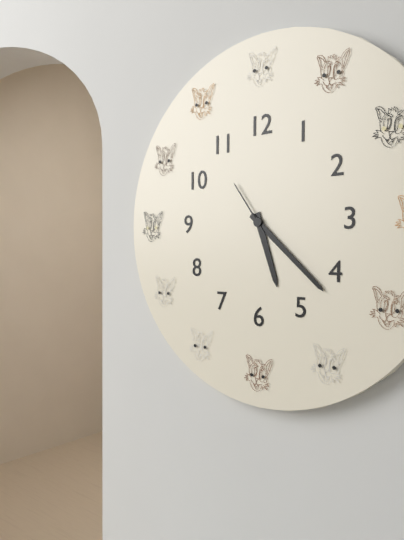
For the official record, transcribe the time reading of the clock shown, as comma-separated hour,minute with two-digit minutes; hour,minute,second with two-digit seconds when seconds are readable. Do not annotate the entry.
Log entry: 5,22,54
